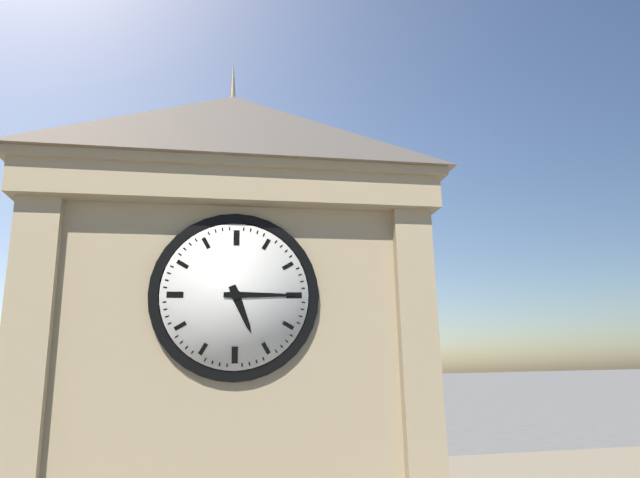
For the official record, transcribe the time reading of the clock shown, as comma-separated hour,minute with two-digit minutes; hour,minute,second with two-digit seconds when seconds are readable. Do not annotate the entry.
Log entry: 5,15
